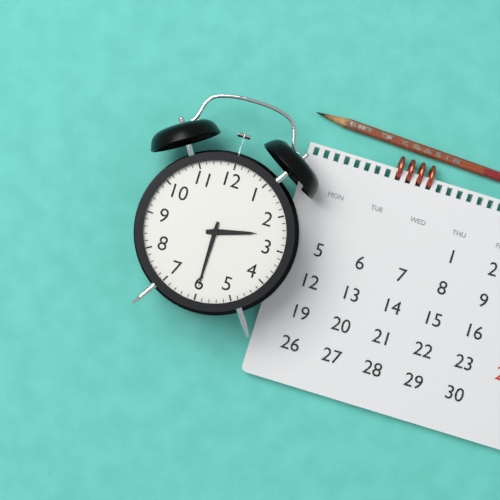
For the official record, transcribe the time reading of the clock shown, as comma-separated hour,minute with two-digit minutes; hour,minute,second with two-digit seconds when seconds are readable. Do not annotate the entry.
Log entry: 2,30
